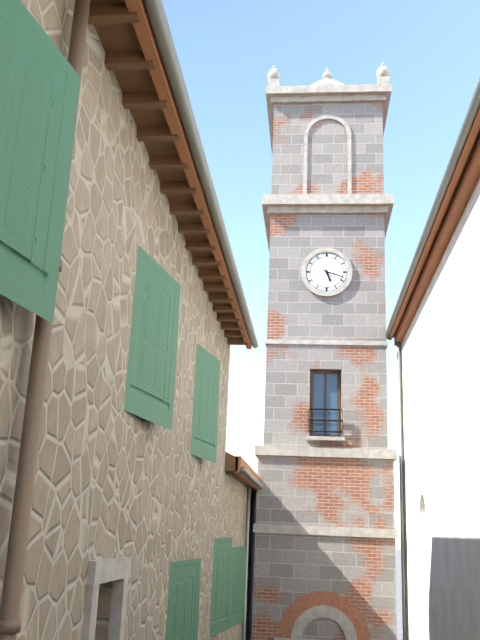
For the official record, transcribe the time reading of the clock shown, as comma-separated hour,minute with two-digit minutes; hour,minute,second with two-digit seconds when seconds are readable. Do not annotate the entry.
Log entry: 5,18
